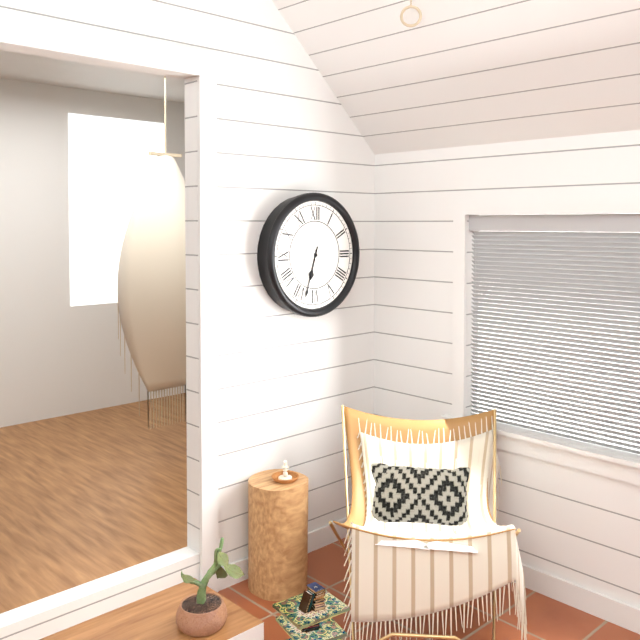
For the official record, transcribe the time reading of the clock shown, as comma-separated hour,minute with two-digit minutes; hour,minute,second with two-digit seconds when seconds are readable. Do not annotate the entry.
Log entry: 6,33
